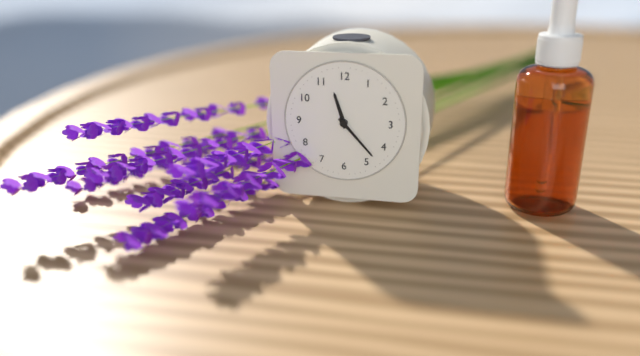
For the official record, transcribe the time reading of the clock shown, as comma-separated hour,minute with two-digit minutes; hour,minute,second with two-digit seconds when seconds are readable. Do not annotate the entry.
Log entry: 11,23
